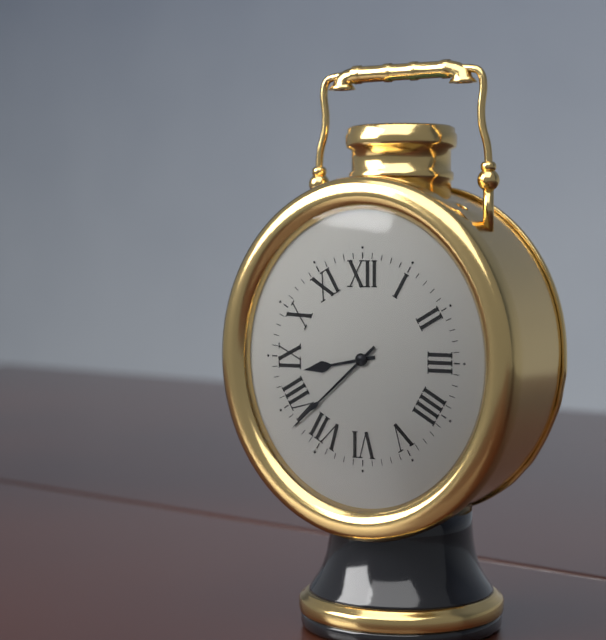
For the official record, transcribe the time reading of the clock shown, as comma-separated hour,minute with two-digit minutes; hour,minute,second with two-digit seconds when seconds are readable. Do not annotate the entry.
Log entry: 8,38
